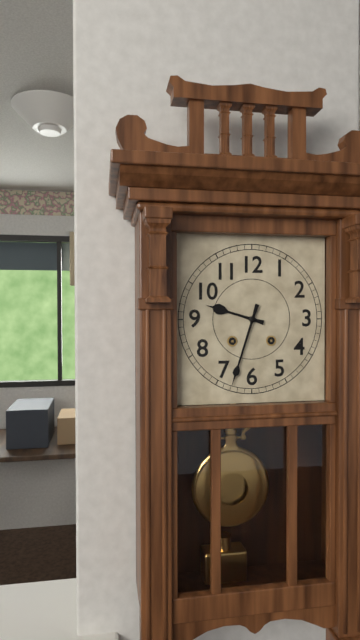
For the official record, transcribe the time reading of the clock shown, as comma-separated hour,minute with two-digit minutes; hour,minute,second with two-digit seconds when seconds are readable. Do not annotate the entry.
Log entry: 9,33
